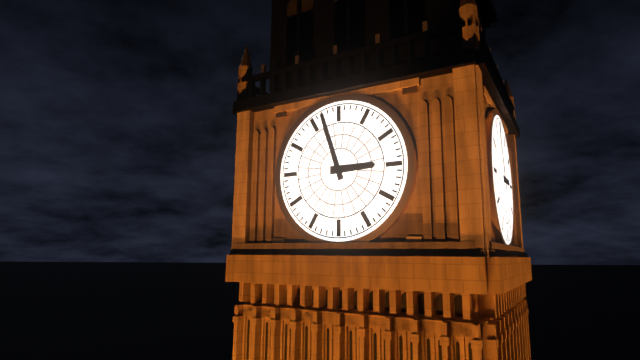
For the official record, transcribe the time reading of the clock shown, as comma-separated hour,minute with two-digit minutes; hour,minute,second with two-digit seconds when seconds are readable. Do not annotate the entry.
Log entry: 2,57
